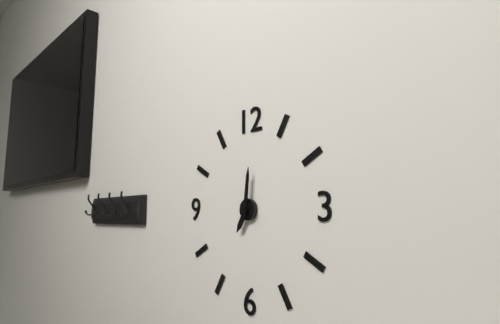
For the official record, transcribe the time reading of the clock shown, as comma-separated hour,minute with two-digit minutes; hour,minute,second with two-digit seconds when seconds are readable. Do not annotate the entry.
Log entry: 7,01
